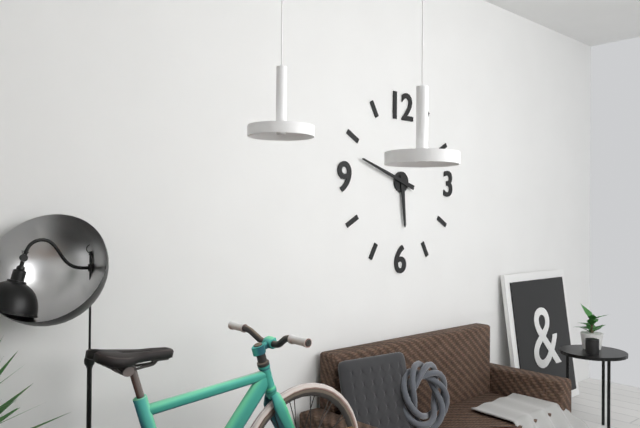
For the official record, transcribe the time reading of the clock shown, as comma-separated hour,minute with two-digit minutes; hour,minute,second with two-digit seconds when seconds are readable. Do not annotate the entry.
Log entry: 5,48
